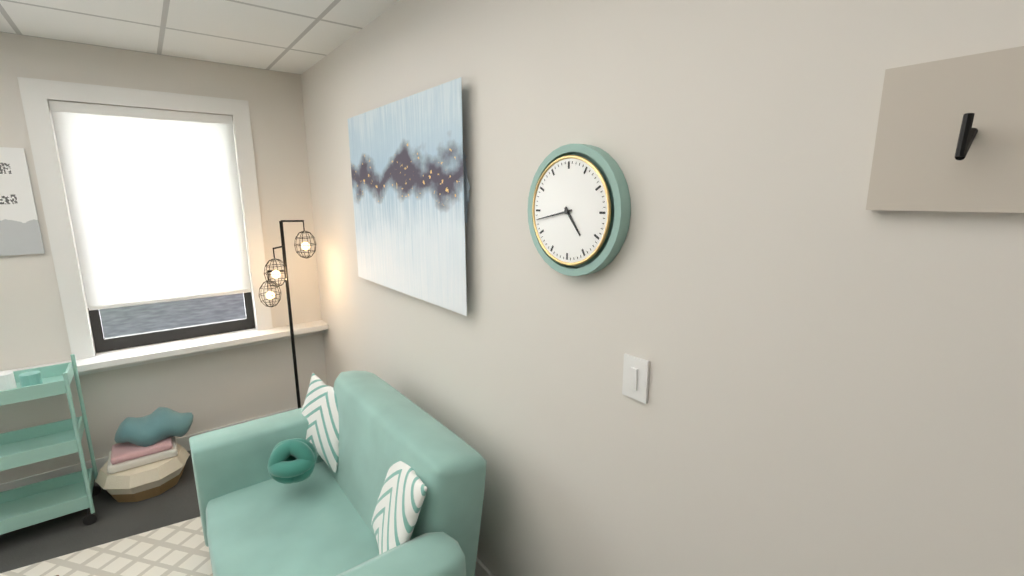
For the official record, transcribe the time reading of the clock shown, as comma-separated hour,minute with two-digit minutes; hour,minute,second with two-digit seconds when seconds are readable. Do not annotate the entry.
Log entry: 4,43
